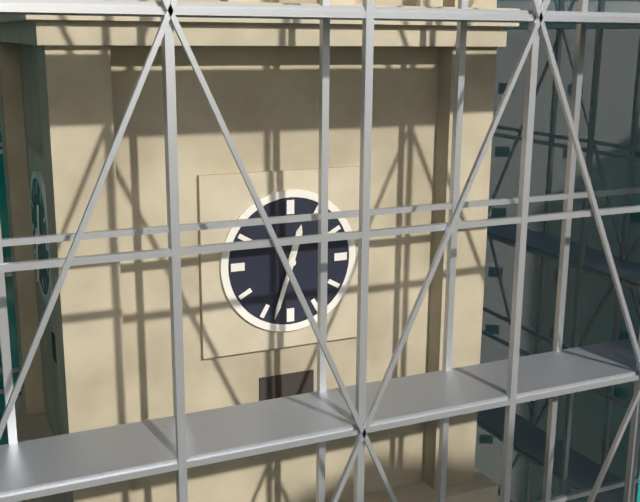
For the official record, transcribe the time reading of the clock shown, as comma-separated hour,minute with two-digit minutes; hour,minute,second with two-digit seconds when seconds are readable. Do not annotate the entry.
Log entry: 12,33
